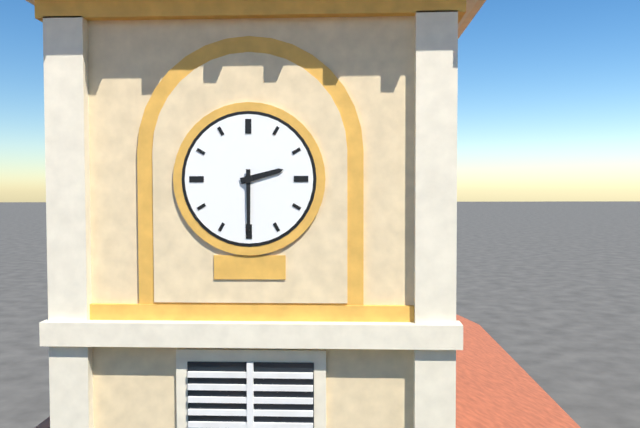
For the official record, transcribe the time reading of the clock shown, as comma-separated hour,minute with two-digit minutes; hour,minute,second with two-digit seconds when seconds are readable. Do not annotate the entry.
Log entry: 2,30
